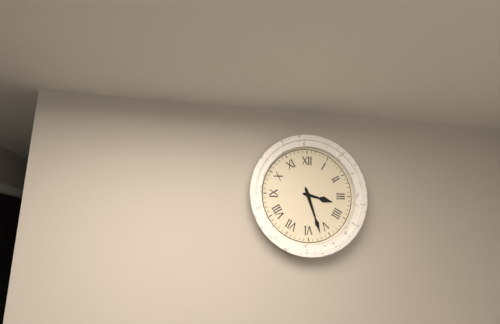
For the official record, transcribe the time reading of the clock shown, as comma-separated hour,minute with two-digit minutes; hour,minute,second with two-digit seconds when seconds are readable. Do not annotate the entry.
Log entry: 3,27
